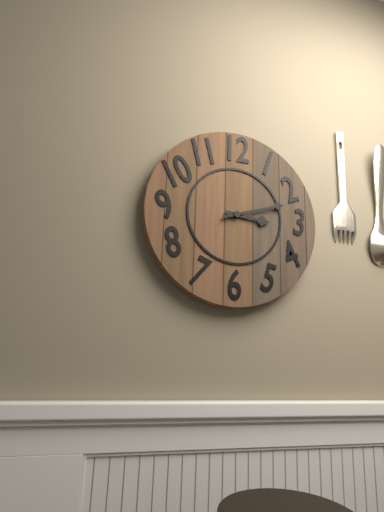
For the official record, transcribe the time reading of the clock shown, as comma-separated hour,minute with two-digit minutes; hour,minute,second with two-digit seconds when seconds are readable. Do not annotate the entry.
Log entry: 3,12
